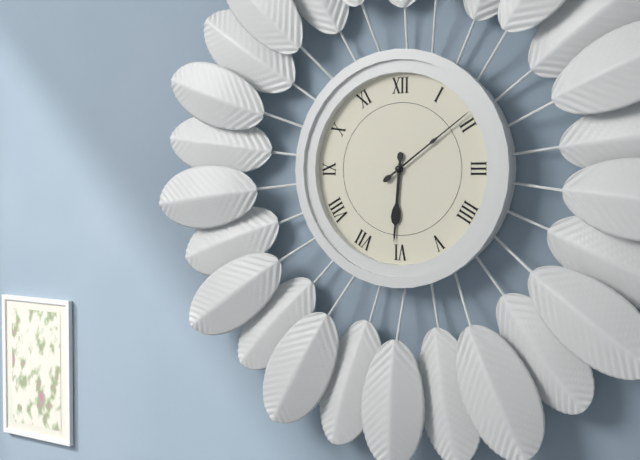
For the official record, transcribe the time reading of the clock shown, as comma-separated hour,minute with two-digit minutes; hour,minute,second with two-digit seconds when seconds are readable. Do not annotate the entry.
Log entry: 6,09
